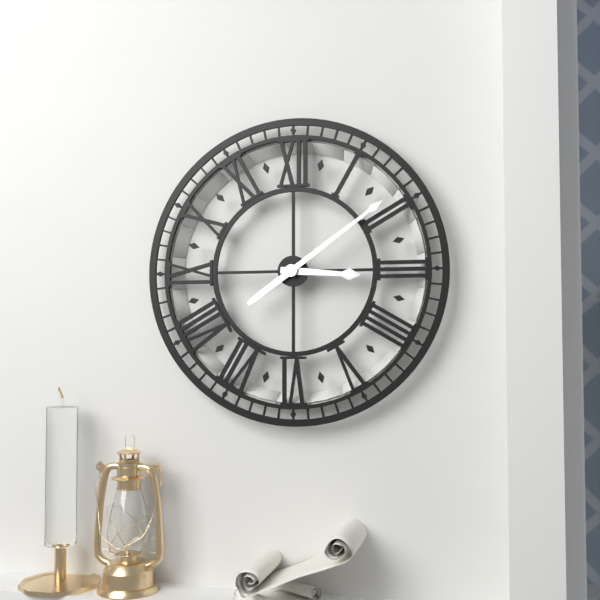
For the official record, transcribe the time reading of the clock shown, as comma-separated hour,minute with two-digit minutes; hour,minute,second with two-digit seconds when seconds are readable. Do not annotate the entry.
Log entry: 3,09
